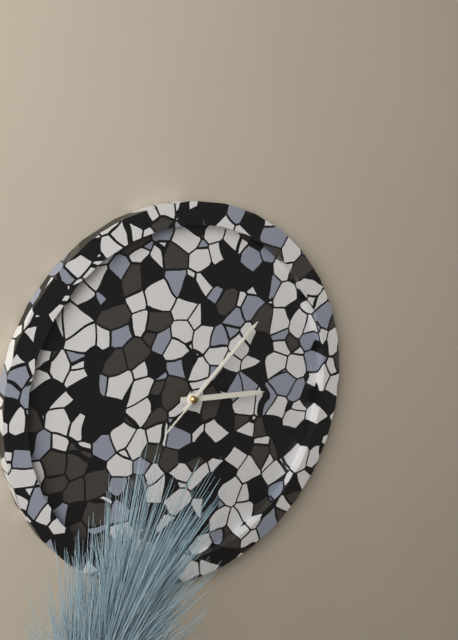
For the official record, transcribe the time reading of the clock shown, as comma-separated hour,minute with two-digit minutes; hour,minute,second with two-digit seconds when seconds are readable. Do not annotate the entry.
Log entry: 3,08,08
